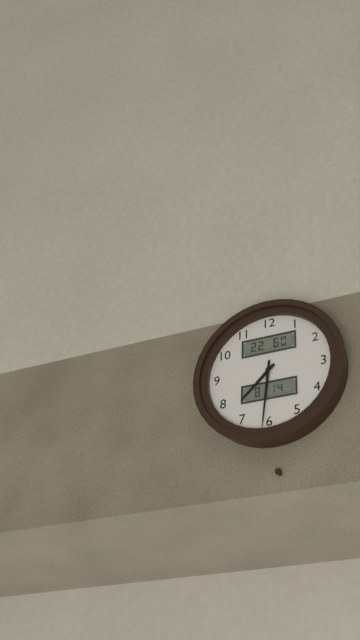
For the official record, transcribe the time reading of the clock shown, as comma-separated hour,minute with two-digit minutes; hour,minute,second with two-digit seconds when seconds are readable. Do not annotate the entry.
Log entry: 7,31
